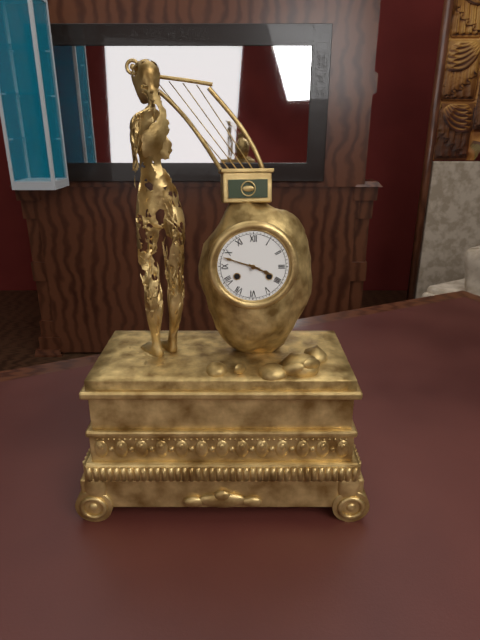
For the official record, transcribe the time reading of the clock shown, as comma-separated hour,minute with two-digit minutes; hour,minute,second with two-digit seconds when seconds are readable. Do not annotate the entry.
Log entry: 3,48
